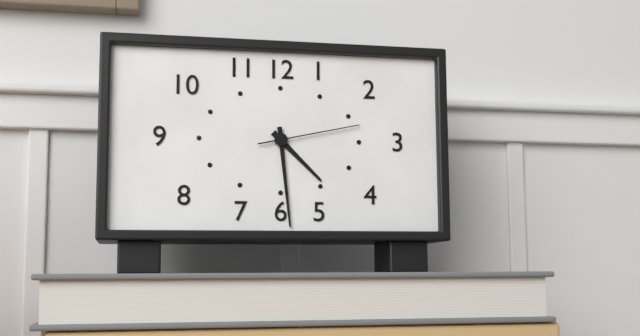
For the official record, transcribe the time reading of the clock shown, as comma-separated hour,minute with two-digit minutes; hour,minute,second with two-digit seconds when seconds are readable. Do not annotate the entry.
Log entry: 4,29,13
